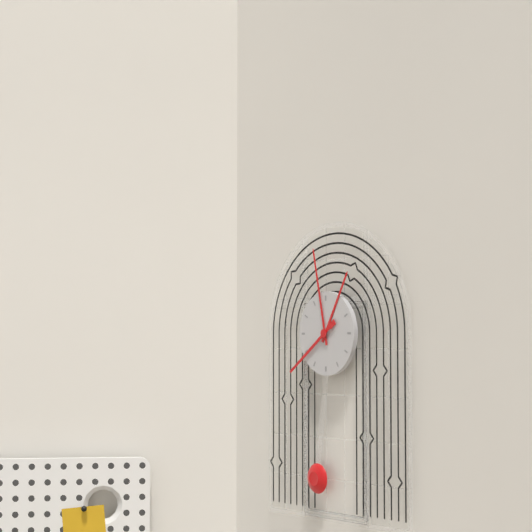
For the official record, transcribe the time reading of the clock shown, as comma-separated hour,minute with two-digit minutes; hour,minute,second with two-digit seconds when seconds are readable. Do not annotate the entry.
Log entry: 12,58,39
